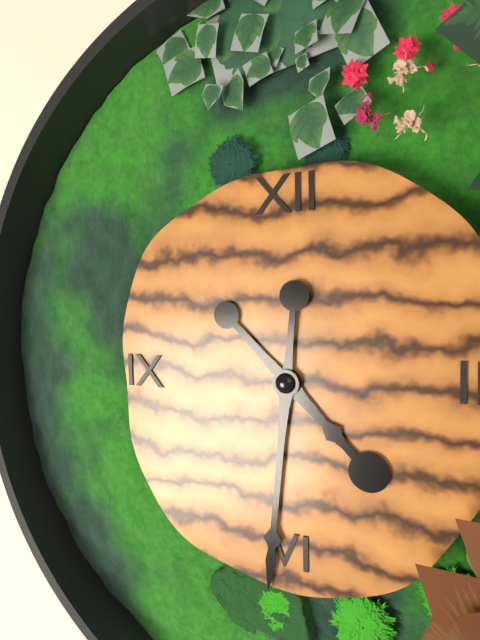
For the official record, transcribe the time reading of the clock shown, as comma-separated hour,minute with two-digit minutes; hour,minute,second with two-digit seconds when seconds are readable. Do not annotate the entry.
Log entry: 4,31
